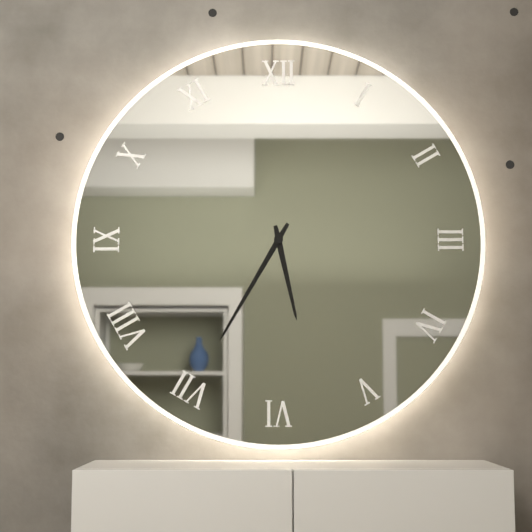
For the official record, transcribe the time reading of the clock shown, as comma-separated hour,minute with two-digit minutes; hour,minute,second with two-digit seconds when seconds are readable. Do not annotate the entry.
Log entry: 5,35
